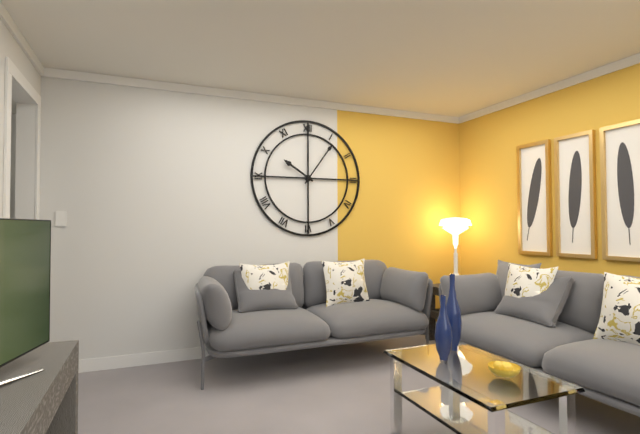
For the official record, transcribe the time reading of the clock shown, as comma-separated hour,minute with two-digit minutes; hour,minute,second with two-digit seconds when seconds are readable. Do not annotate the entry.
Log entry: 10,06
